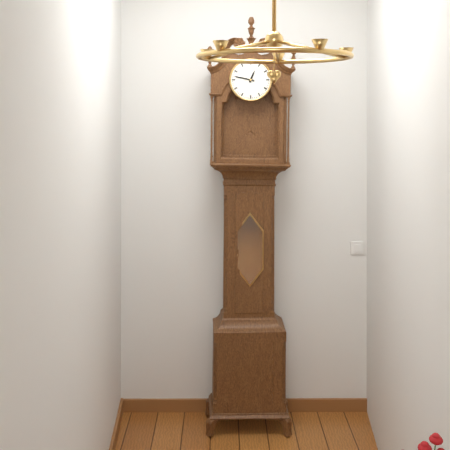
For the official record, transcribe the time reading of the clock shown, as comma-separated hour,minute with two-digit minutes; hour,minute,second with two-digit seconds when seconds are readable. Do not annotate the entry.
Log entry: 12,47
